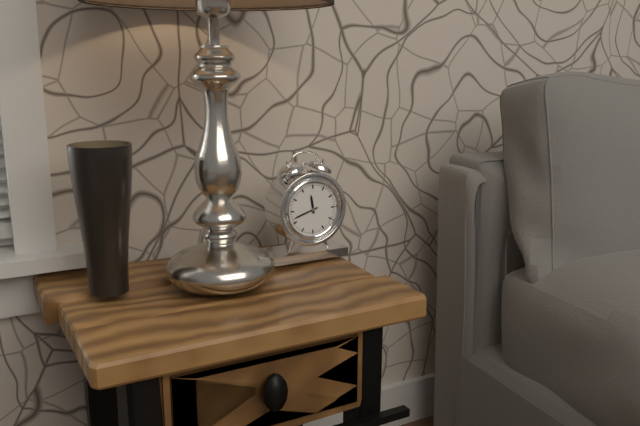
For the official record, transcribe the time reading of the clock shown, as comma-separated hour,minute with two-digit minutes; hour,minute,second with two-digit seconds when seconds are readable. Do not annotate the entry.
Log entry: 11,42
